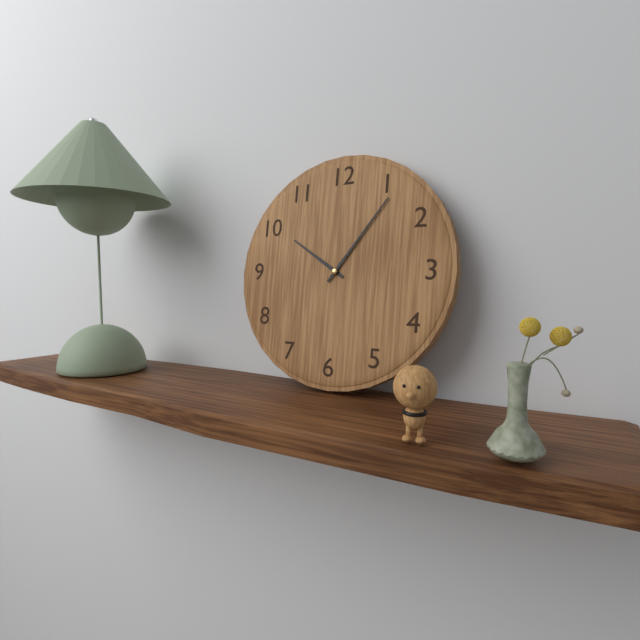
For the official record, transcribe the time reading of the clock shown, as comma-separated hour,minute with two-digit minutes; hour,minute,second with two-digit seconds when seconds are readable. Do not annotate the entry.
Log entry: 10,06
